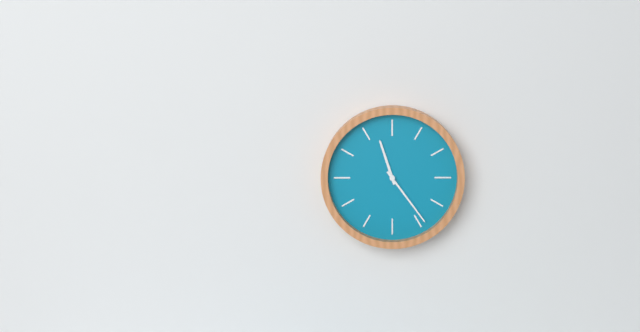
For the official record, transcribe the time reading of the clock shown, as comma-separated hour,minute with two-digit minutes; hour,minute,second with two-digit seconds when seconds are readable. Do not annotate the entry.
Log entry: 11,24
